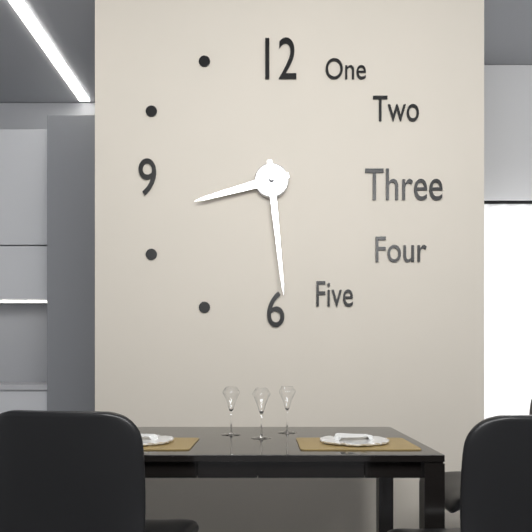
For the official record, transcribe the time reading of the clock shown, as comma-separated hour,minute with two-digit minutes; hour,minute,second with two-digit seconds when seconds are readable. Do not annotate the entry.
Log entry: 8,29
